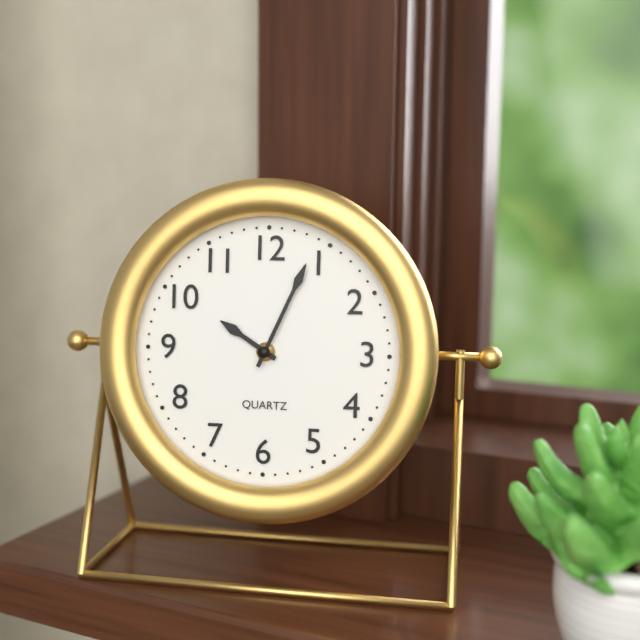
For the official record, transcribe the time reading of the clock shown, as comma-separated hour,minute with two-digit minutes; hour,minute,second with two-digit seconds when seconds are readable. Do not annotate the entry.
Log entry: 10,04
